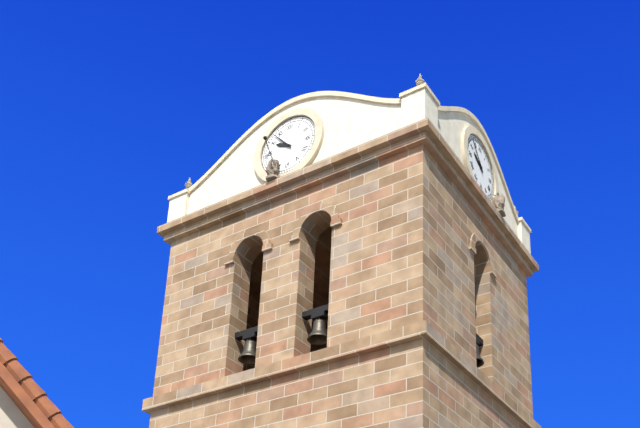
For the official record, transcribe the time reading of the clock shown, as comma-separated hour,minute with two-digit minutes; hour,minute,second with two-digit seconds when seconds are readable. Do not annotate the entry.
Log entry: 9,53
